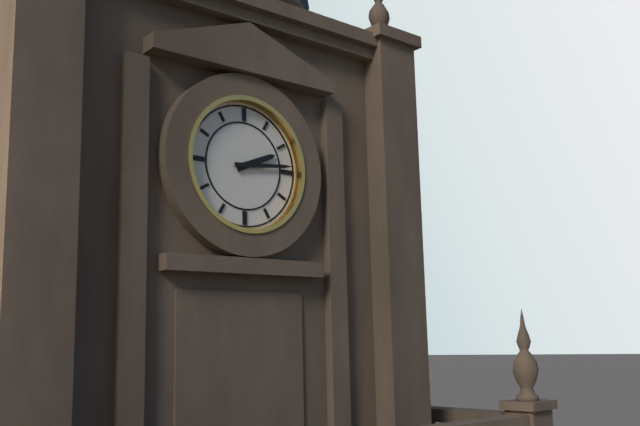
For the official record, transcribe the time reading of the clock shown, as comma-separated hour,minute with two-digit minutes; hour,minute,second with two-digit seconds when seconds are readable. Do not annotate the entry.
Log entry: 2,14
